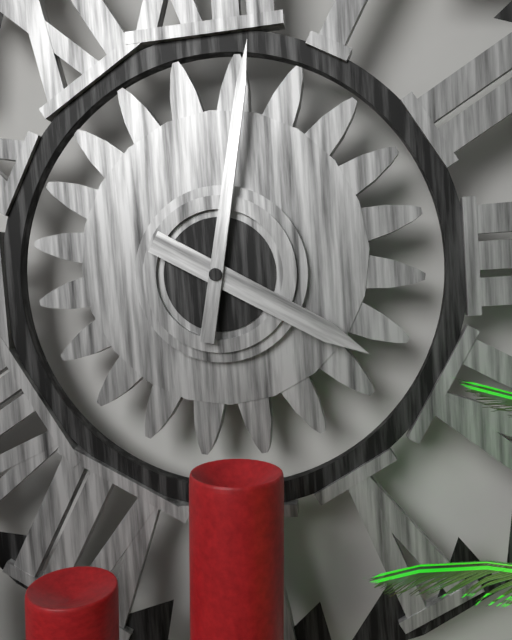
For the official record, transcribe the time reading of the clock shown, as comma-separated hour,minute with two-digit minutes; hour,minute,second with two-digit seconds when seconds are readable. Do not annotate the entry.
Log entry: 4,02
